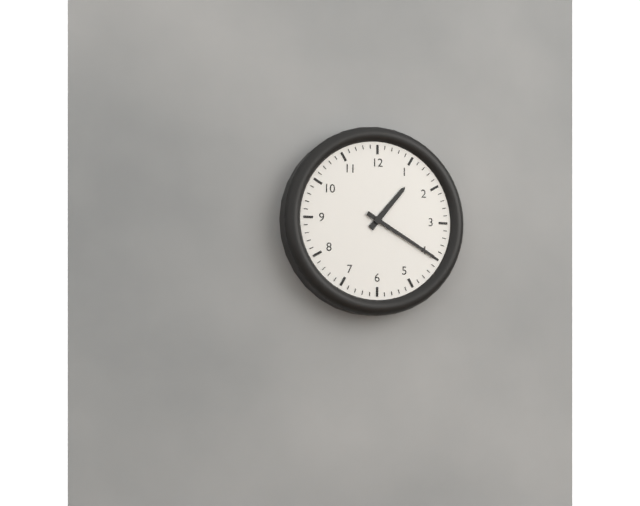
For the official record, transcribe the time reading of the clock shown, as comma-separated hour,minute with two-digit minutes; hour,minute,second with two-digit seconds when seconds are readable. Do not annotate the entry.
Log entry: 1,20
